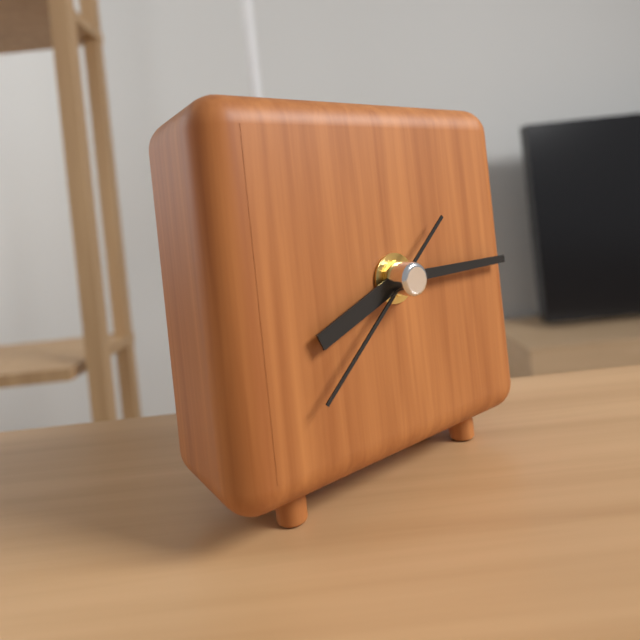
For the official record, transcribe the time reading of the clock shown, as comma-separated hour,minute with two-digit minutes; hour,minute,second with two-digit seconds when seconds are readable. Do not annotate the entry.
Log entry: 8,15,38
